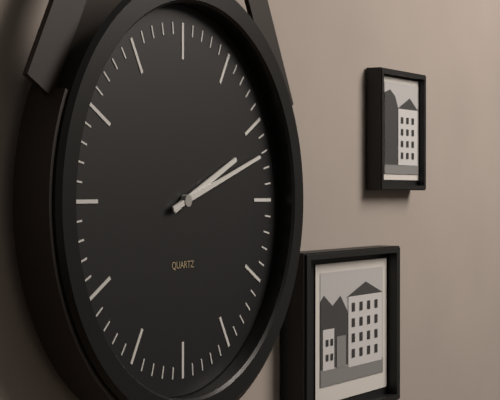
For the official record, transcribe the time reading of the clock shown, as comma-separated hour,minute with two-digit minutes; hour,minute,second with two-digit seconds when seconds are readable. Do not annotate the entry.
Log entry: 2,12
